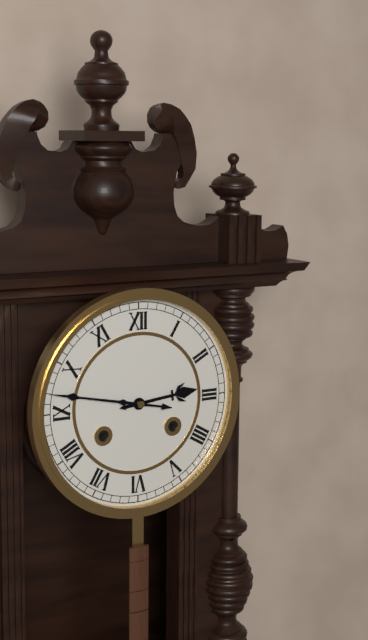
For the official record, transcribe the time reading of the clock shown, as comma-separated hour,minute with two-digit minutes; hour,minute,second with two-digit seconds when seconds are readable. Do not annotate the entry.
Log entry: 2,47
